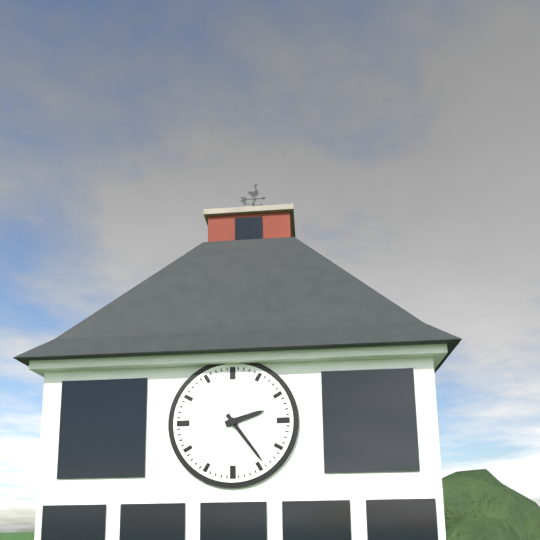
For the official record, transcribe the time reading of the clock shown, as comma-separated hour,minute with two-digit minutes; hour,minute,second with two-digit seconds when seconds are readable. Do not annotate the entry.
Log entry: 2,24
